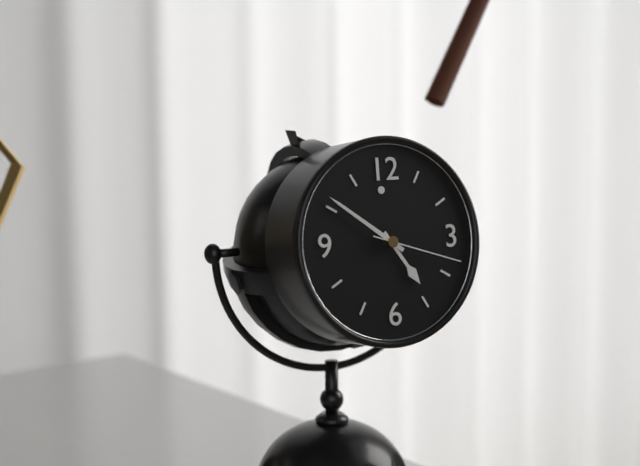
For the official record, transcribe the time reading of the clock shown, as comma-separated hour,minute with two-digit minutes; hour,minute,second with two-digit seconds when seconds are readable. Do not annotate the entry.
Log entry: 4,51,18
